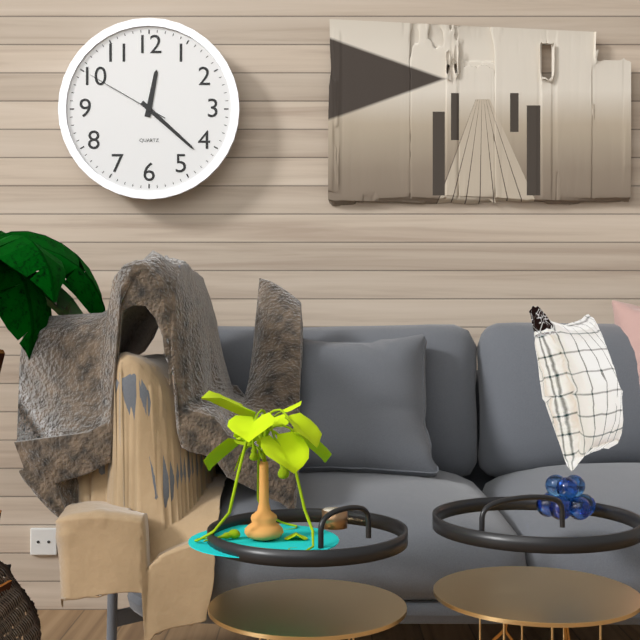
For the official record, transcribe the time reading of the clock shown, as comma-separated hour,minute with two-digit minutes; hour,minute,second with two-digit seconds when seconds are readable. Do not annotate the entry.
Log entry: 12,22,50
